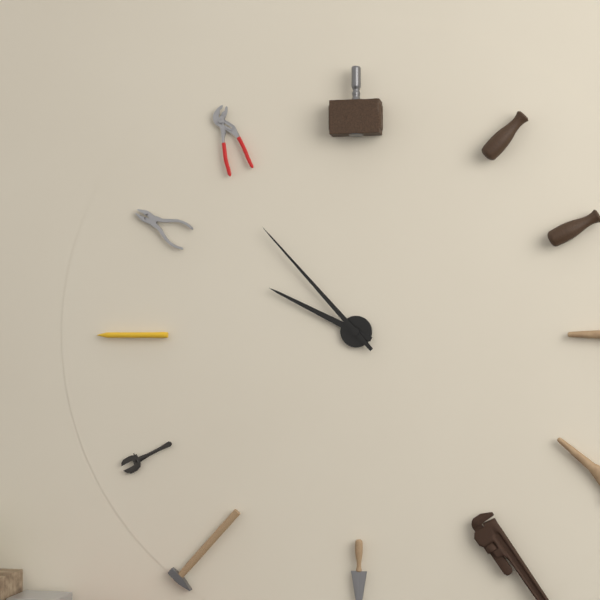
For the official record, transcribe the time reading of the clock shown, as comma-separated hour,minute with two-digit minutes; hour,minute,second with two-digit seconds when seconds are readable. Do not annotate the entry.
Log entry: 9,53
